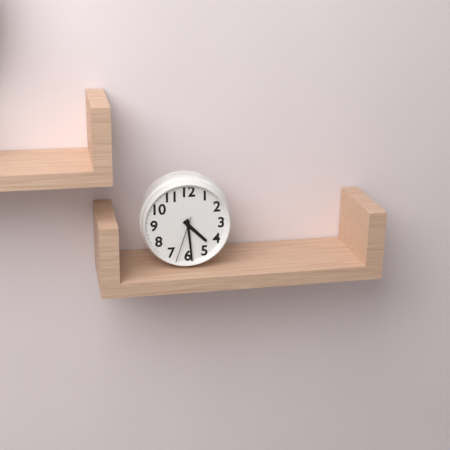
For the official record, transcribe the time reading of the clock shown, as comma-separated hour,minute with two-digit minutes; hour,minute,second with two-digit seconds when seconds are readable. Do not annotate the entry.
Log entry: 4,29
